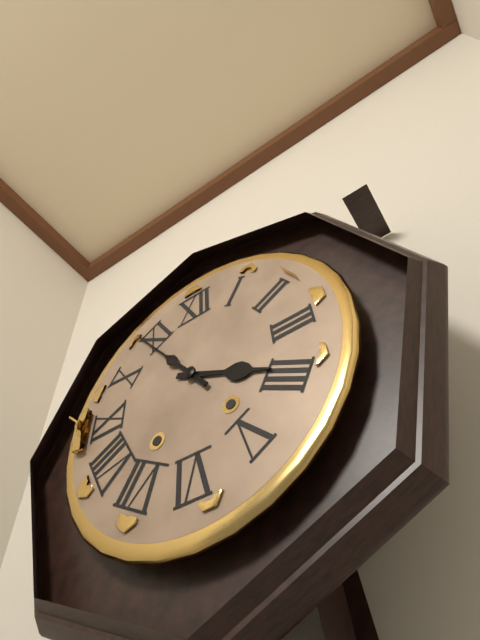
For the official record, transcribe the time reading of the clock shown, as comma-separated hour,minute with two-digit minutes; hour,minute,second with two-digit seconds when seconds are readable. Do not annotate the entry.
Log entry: 3,54
